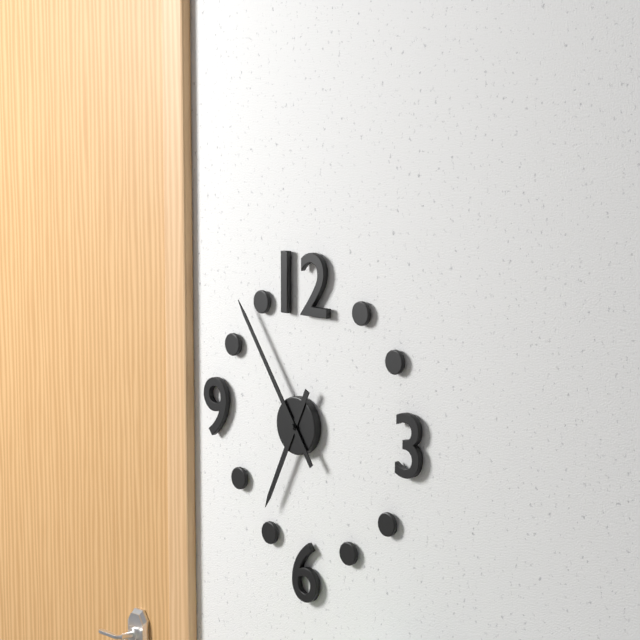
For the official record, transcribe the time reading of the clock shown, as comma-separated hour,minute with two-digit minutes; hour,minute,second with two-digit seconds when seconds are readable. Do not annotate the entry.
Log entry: 6,54
